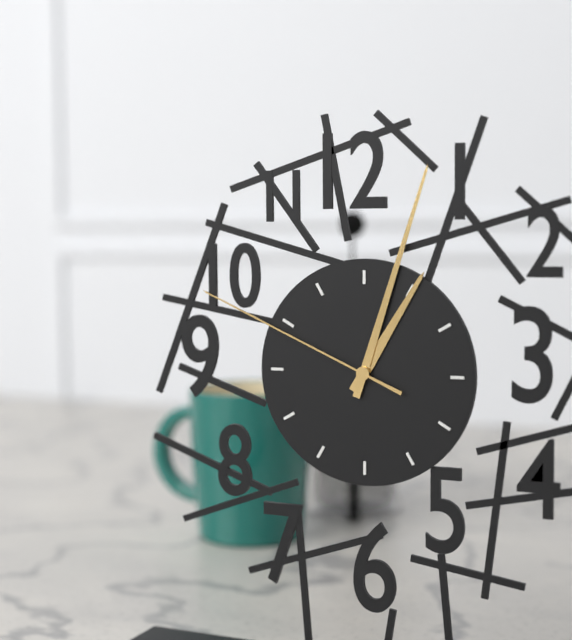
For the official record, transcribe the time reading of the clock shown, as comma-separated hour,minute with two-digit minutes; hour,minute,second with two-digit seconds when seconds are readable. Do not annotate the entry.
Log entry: 1,03,49
